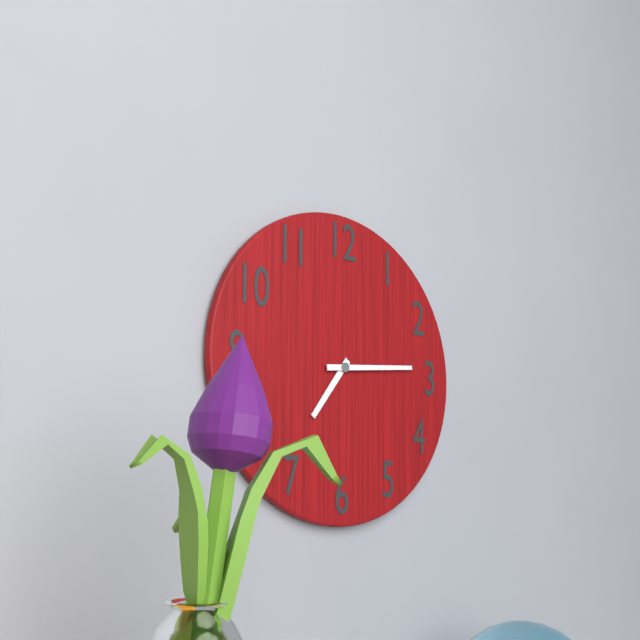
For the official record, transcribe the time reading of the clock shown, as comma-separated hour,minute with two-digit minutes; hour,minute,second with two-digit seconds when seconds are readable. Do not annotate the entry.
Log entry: 7,14
